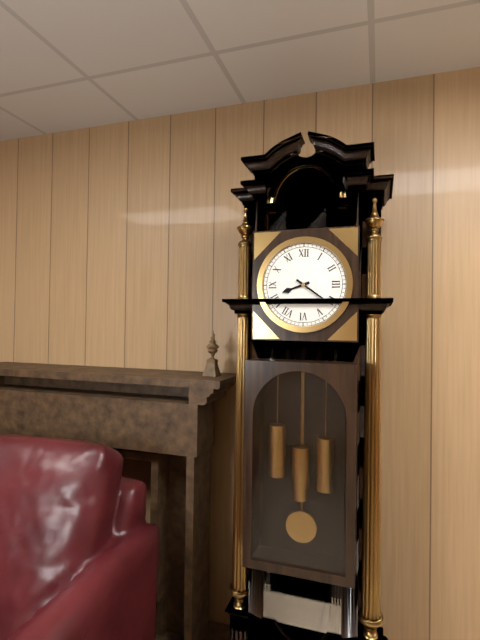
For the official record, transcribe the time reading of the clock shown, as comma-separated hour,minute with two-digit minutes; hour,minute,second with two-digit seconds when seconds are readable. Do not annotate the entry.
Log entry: 8,21
